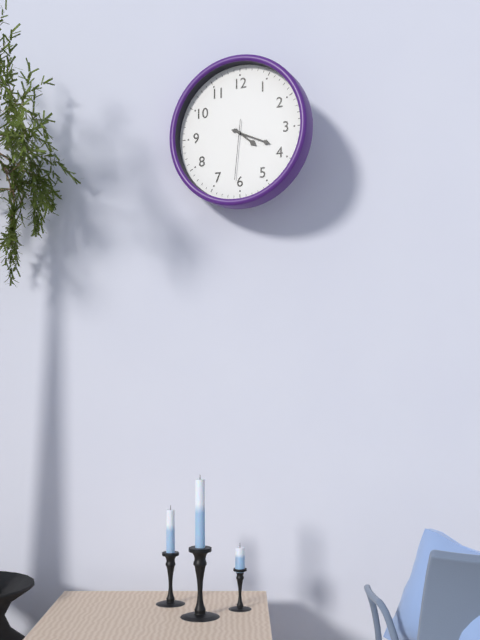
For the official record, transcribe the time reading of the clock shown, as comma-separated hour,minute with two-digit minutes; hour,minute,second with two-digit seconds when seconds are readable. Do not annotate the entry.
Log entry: 4,19,31
